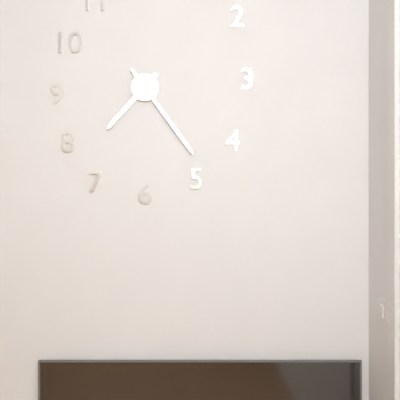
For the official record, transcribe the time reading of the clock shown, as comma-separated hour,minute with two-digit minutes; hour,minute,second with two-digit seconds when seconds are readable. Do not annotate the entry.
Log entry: 7,24
